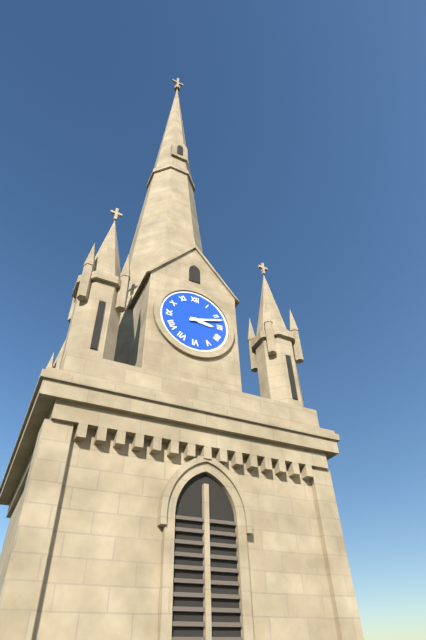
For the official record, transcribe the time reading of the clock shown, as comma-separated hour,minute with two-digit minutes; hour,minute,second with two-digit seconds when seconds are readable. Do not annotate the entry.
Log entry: 3,12
